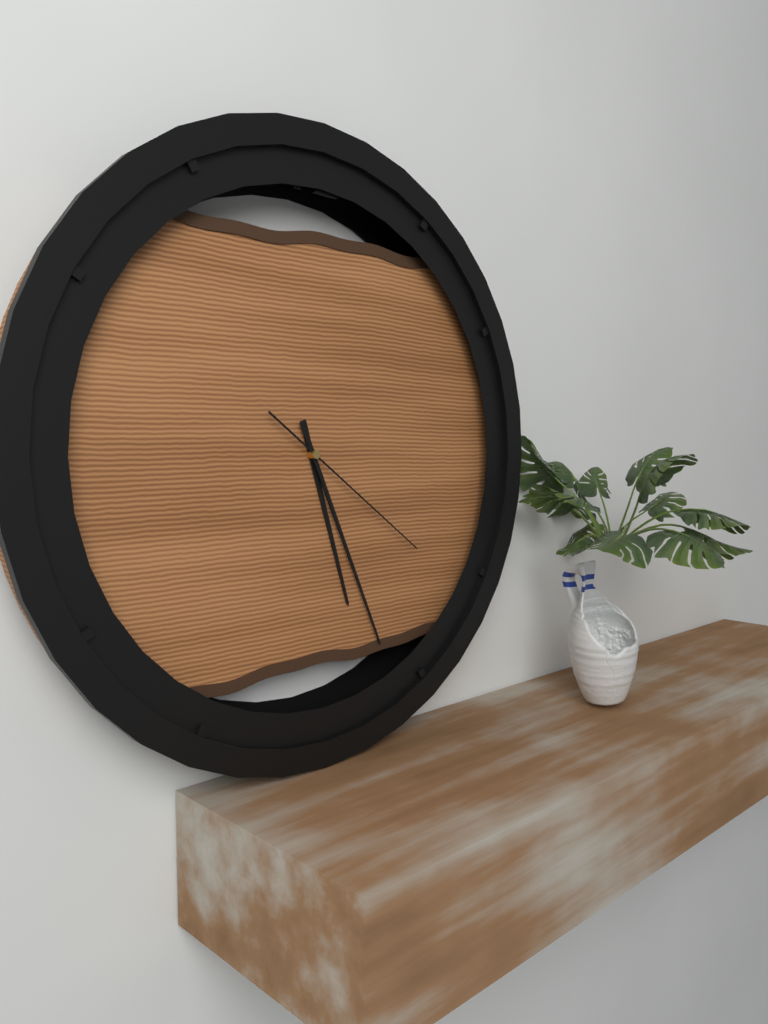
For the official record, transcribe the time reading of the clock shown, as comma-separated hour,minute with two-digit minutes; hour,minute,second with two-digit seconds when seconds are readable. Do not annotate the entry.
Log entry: 5,26,21
